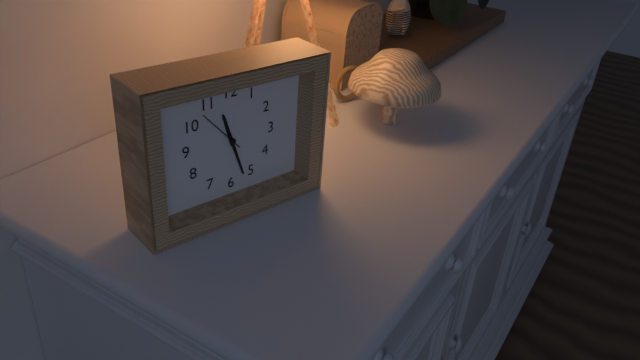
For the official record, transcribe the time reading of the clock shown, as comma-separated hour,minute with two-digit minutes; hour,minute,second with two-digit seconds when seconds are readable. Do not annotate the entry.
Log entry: 11,27
